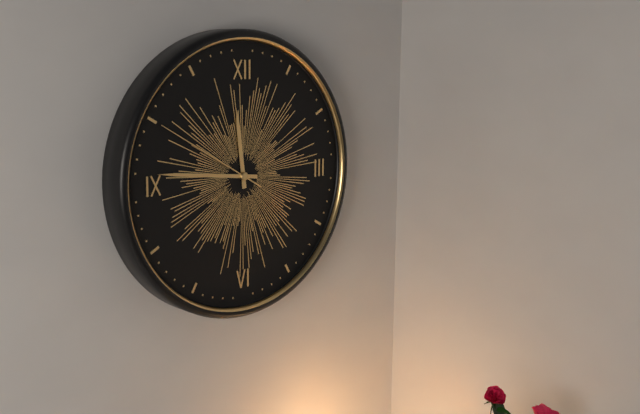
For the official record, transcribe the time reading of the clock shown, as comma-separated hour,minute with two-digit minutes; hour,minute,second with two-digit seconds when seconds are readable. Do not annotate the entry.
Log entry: 11,46,50
